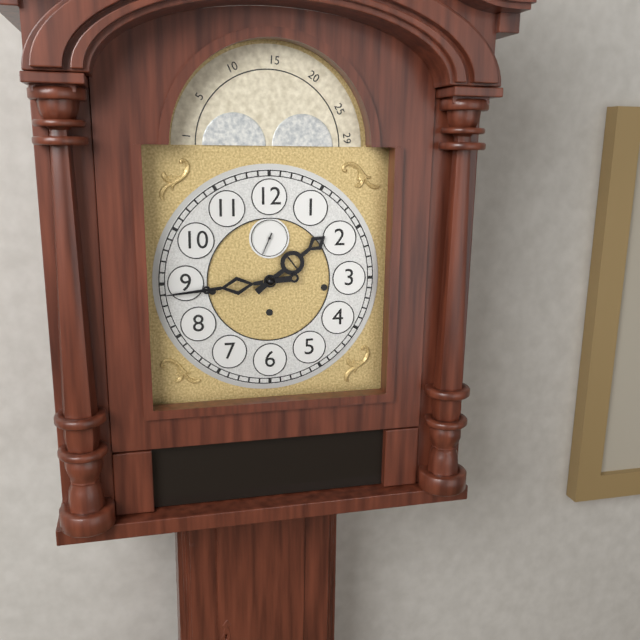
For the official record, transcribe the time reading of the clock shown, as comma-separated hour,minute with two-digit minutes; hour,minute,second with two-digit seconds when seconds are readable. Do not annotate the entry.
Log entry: 1,44
